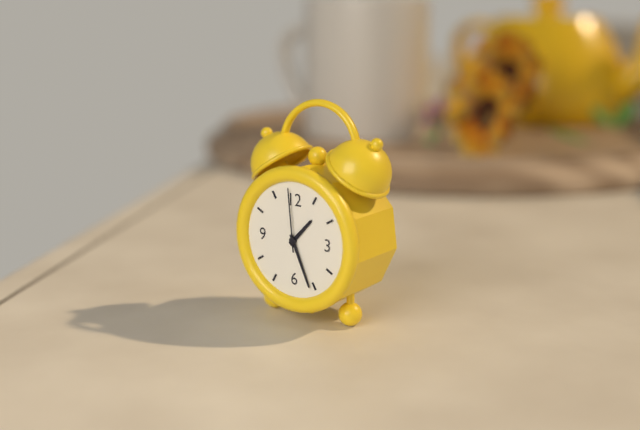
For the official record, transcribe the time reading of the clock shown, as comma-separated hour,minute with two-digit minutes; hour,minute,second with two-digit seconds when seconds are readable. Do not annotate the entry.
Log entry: 1,26,59
